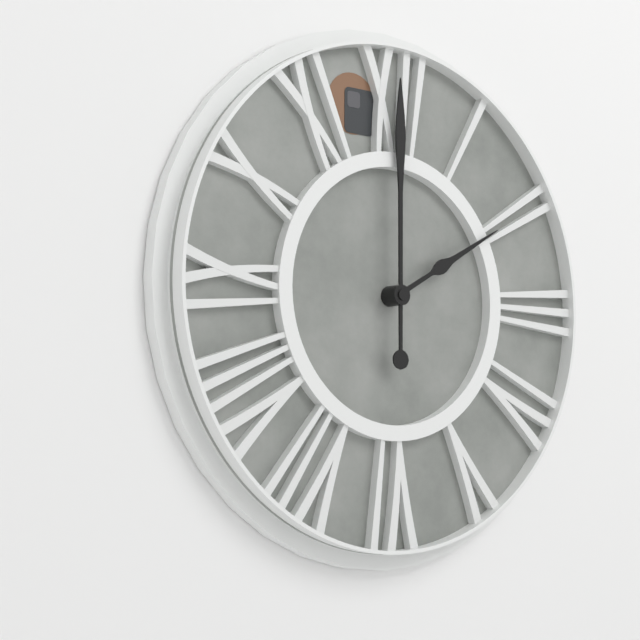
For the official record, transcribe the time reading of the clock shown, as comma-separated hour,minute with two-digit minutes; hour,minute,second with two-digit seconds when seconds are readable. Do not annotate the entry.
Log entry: 2,00
